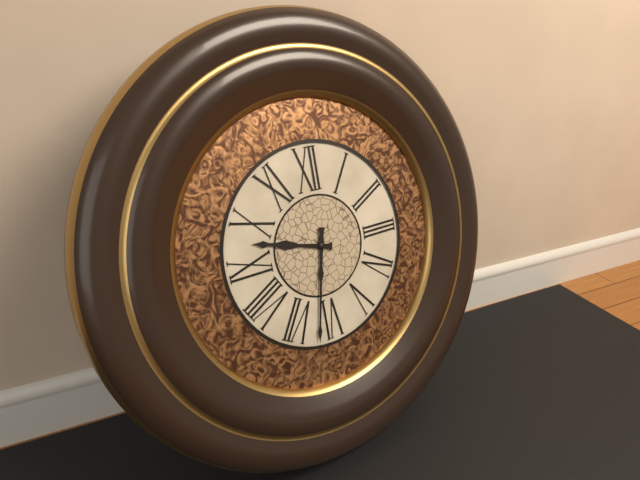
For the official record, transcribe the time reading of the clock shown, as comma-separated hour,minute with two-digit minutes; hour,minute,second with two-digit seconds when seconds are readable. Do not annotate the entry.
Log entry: 9,32
